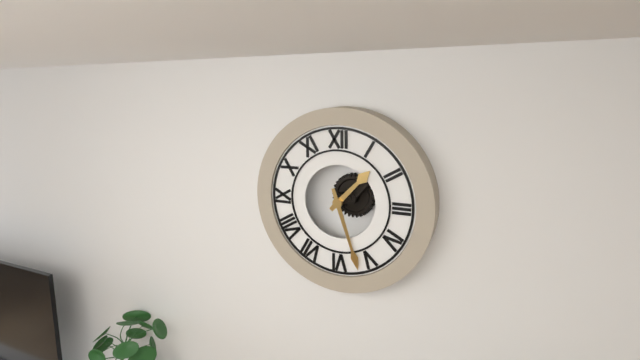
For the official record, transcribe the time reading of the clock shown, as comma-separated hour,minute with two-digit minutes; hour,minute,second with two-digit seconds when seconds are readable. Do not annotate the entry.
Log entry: 1,27
